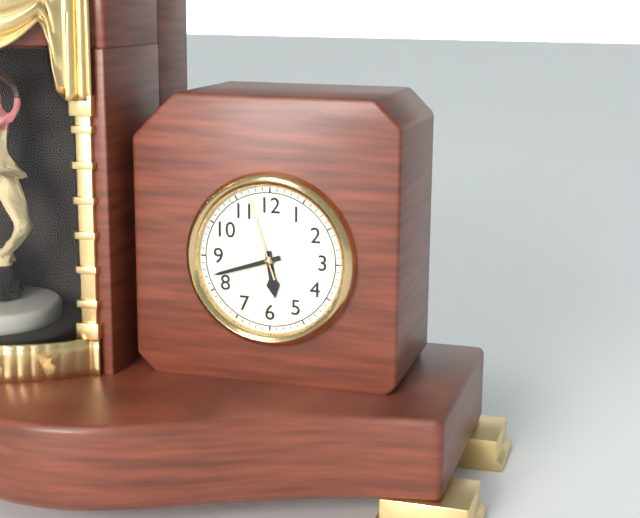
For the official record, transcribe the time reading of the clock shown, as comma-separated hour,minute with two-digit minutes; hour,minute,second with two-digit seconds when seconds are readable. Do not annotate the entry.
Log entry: 5,42,57
